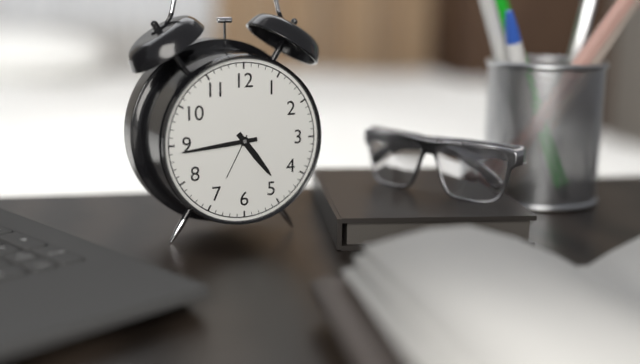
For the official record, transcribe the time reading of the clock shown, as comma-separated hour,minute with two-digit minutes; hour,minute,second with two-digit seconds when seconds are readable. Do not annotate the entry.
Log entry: 4,44
